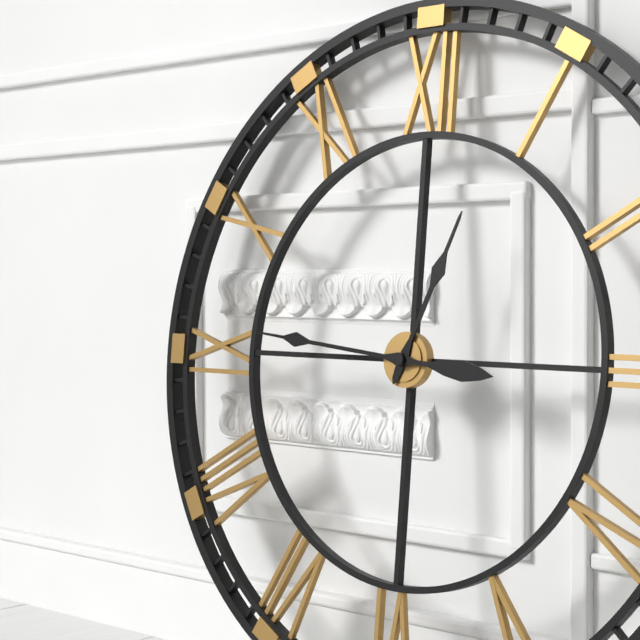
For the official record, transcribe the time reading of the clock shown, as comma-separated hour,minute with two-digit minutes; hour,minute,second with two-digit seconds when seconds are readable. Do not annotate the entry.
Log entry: 12,46
